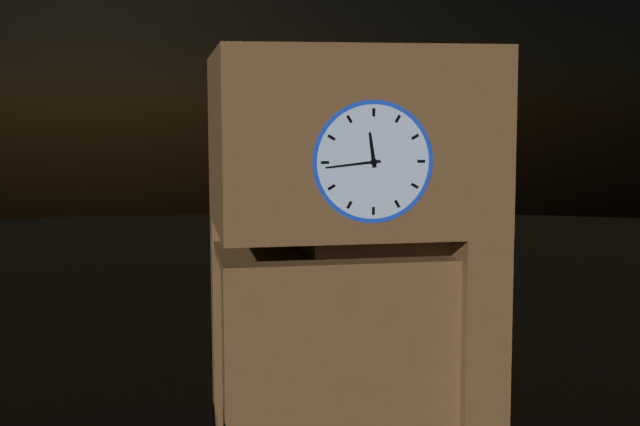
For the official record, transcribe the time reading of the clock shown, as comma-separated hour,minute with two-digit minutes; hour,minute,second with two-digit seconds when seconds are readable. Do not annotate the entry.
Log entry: 11,44
